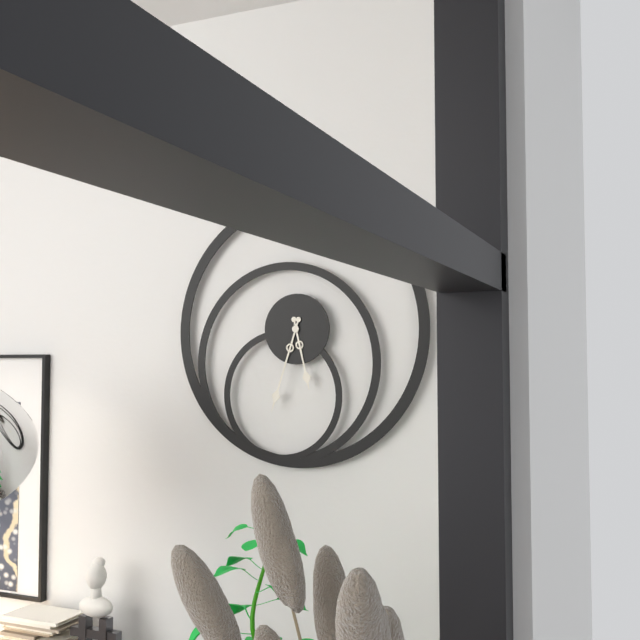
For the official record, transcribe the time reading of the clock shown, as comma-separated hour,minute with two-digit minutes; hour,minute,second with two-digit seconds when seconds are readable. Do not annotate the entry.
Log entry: 5,33
